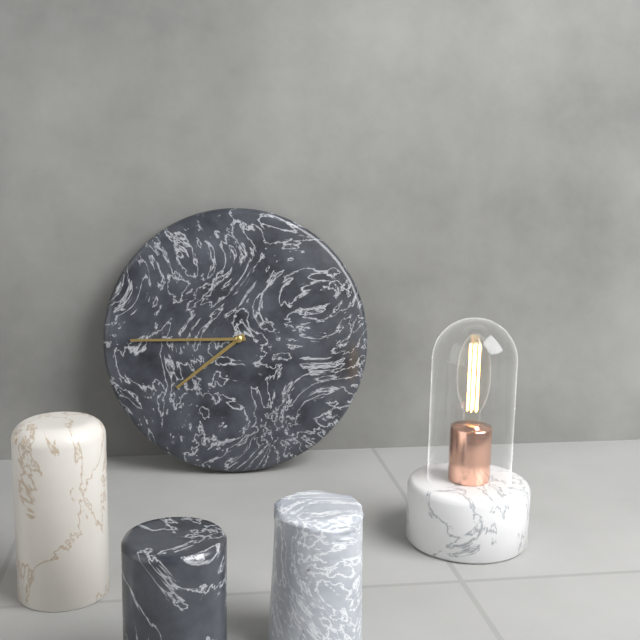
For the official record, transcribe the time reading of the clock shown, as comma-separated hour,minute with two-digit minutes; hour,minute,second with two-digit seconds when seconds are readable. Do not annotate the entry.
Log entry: 7,45
